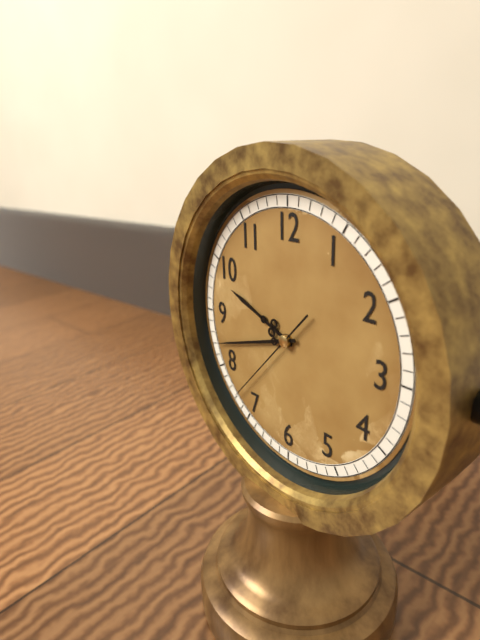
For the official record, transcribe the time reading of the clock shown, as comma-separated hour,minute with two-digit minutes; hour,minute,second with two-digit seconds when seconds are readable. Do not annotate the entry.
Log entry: 9,42,37
